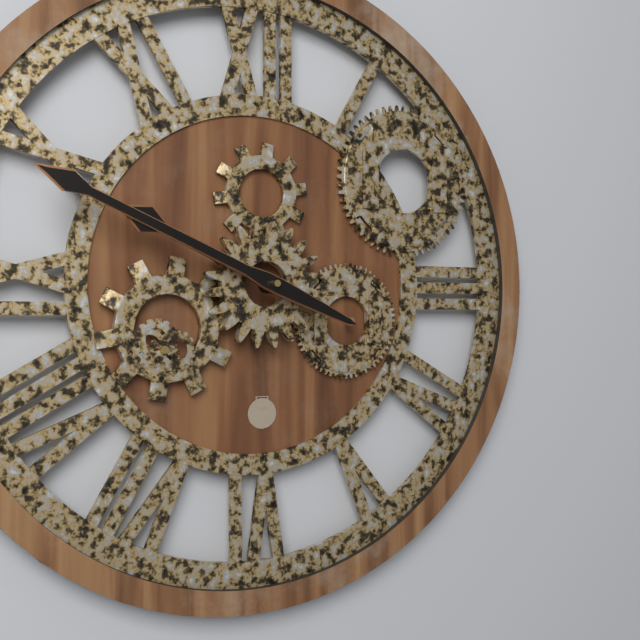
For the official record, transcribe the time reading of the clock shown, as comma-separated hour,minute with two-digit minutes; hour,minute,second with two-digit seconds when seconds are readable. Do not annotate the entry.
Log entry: 9,49
